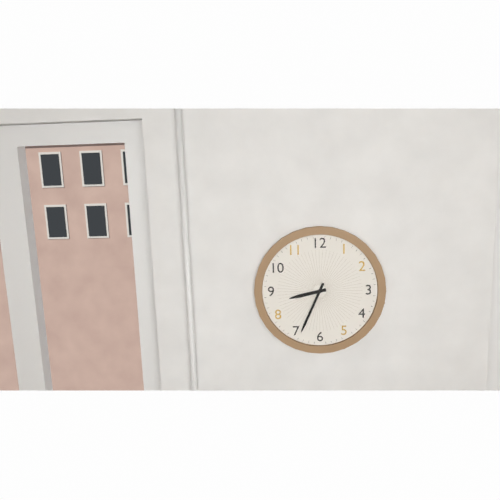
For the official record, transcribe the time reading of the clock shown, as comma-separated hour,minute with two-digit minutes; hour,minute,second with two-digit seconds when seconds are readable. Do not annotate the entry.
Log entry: 8,34
